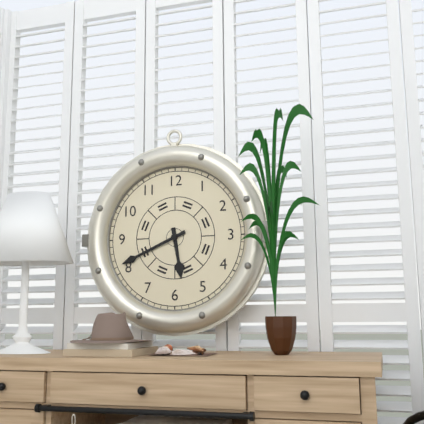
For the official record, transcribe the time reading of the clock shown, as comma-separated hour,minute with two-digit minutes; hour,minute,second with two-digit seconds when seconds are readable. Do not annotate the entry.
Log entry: 5,41
